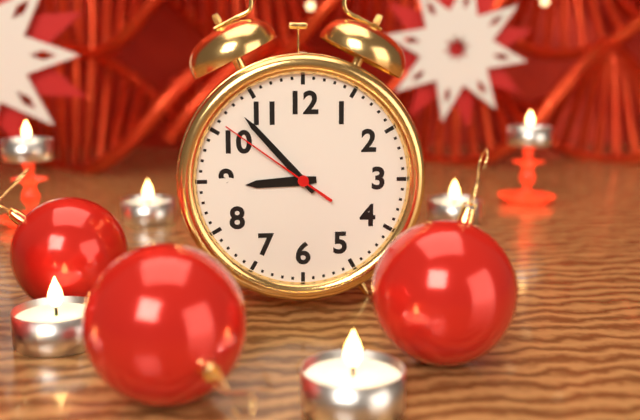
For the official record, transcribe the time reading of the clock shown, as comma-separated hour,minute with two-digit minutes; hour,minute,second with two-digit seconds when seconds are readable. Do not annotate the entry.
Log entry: 8,53,51
